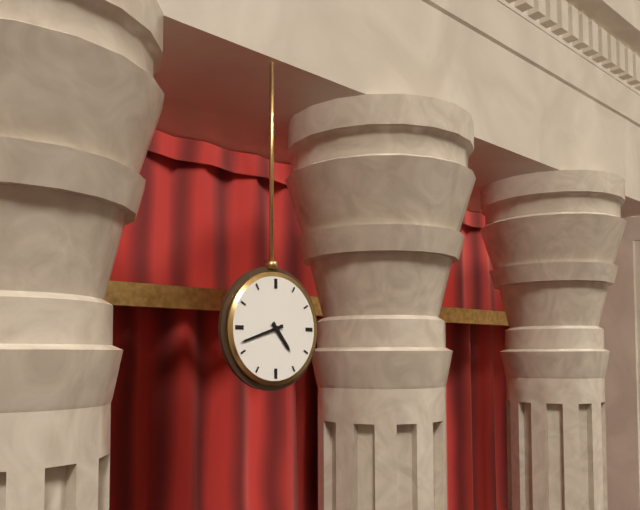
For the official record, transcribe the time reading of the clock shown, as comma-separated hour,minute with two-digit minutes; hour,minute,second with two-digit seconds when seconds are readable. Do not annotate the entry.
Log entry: 4,42
